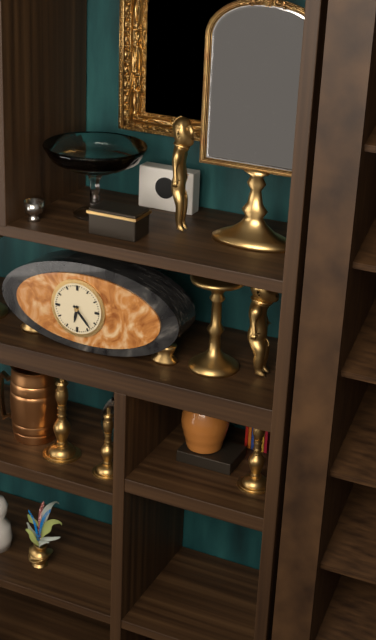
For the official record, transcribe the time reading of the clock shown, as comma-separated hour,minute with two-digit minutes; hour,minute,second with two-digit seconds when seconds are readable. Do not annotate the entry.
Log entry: 6,23
